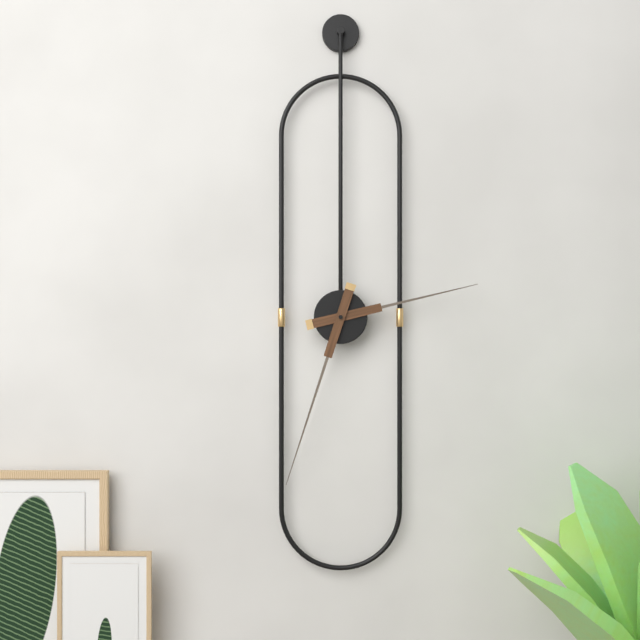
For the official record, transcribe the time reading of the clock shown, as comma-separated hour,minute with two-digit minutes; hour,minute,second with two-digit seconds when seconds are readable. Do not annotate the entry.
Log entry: 2,33
